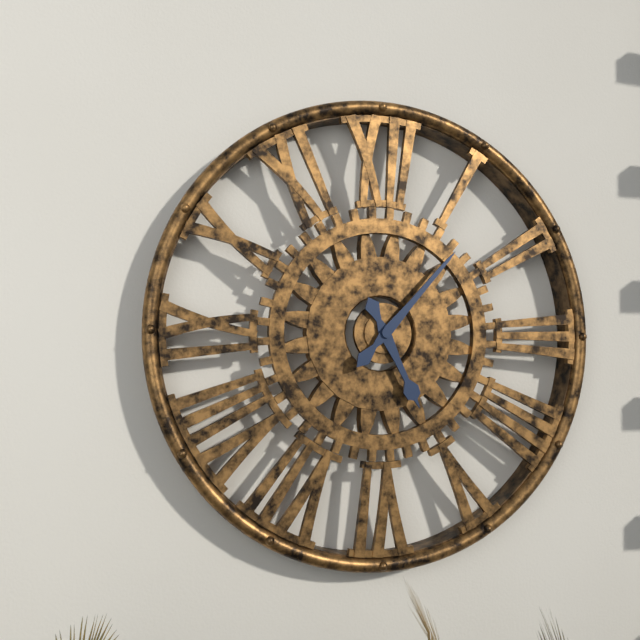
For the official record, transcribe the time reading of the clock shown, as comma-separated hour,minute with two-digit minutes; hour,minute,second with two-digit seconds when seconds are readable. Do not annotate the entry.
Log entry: 5,07
